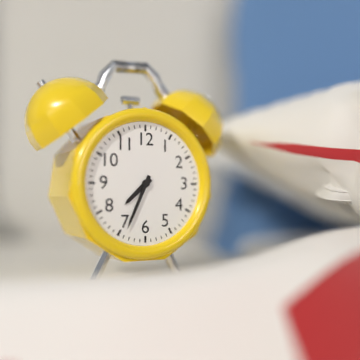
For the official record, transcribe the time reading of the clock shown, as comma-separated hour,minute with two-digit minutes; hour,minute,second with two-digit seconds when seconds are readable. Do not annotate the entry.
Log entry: 7,34
